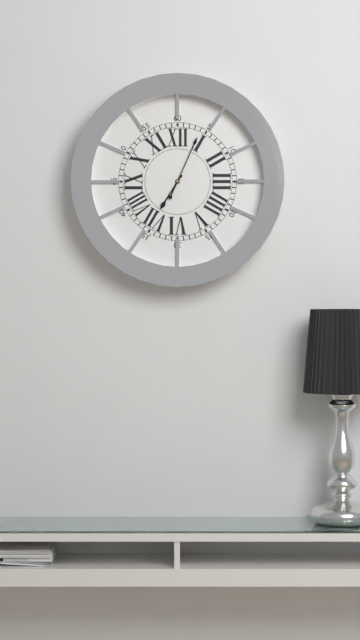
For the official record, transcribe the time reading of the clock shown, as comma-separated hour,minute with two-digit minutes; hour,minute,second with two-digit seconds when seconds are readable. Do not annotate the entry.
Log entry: 7,04
